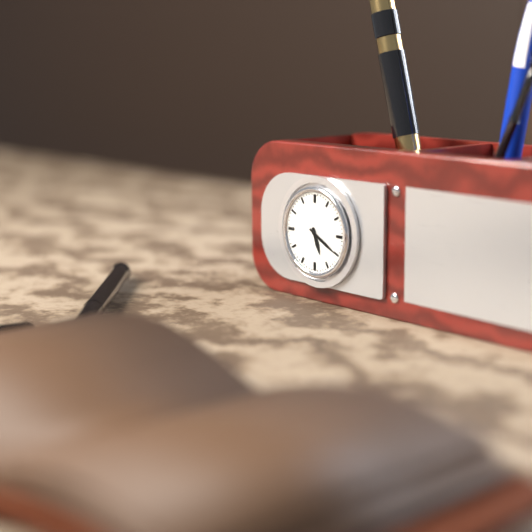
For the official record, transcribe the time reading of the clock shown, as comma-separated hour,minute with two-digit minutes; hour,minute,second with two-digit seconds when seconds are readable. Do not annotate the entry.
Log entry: 5,20
